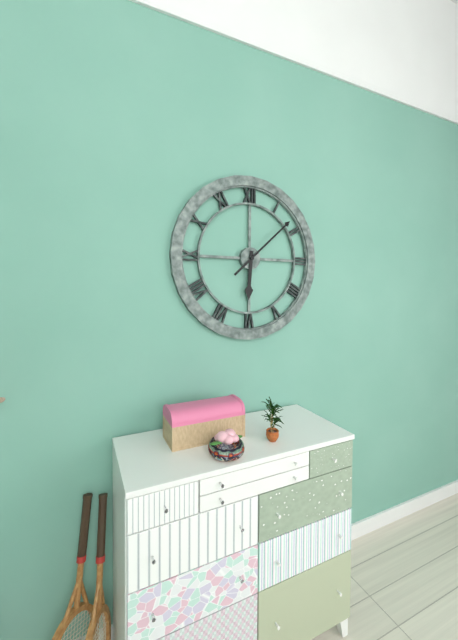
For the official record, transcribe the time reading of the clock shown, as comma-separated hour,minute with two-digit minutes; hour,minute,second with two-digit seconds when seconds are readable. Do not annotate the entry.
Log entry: 6,08
